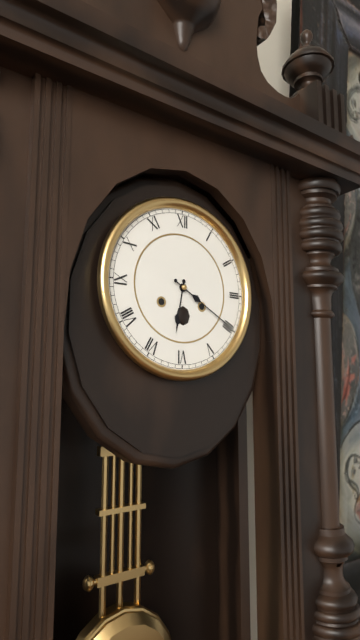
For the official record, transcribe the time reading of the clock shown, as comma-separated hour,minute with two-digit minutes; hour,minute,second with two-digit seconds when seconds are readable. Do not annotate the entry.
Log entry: 6,20
